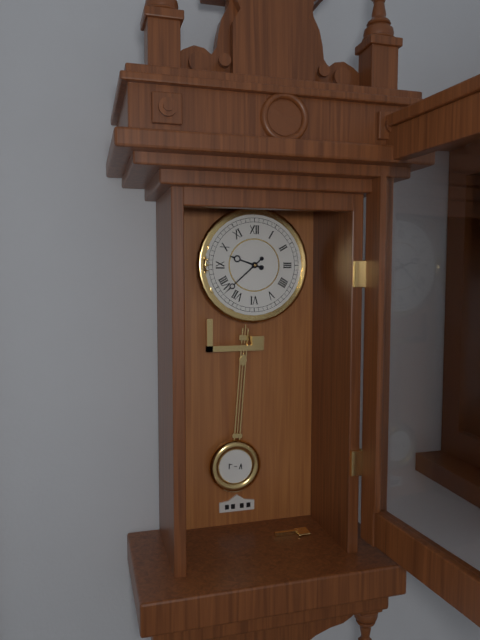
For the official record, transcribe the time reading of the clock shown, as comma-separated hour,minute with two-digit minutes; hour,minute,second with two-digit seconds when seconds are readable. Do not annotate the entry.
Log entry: 9,38
